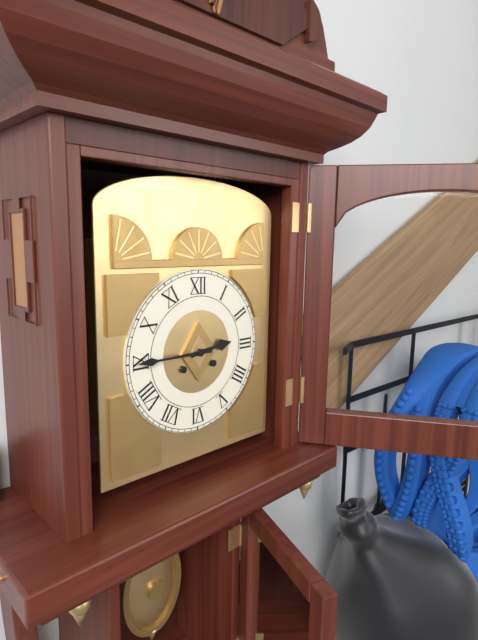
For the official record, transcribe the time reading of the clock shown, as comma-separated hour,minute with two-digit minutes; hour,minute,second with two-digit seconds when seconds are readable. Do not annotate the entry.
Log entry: 2,45
